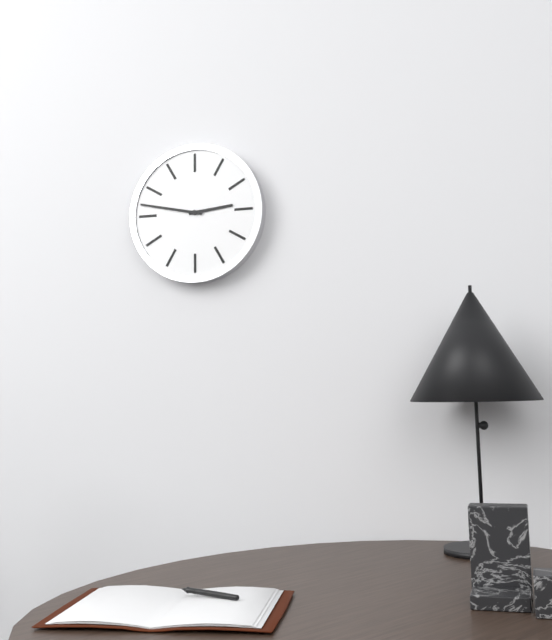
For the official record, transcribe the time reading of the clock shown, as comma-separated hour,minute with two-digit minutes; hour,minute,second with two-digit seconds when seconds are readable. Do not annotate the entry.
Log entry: 2,47
